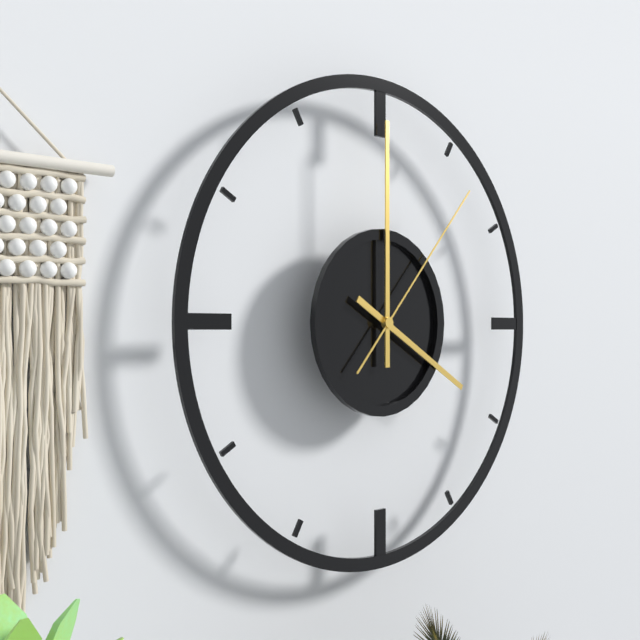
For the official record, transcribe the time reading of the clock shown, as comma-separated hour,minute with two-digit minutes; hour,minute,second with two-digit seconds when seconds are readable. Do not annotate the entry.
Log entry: 4,00,07
